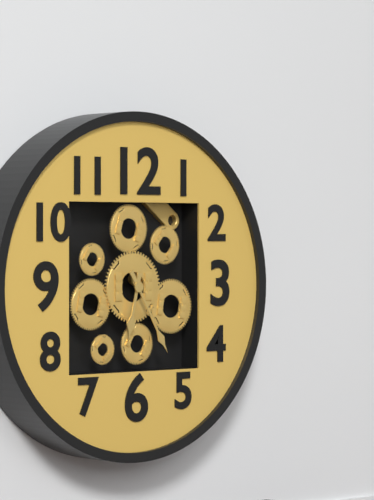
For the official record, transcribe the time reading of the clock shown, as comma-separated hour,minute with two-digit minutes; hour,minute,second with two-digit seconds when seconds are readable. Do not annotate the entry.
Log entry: 6,25
